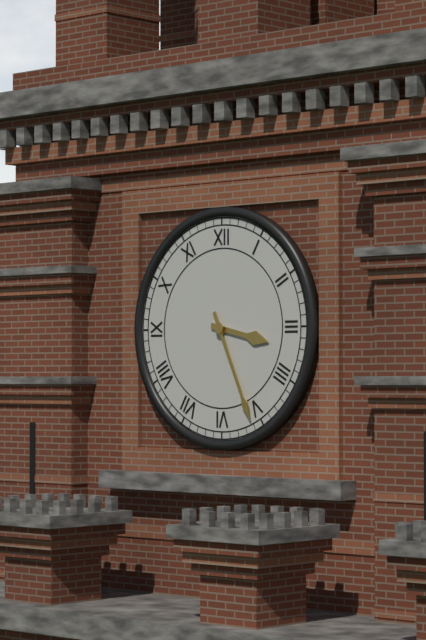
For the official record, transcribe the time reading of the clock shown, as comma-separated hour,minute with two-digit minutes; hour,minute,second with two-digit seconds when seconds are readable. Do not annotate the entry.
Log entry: 3,26
